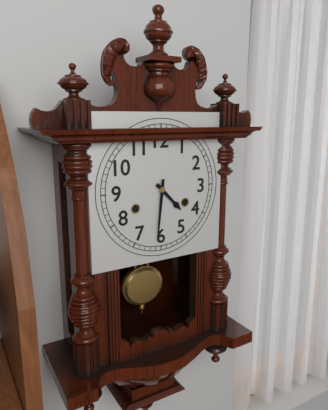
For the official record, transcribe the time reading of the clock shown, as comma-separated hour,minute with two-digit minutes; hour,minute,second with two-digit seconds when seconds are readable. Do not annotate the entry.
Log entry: 4,31
